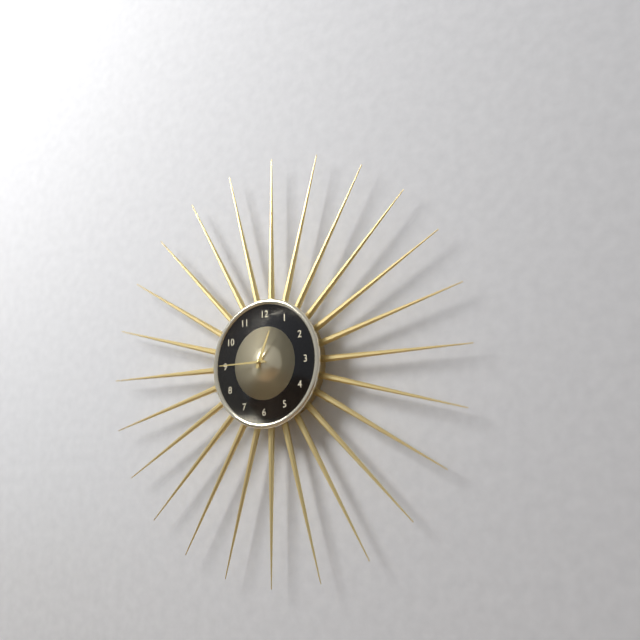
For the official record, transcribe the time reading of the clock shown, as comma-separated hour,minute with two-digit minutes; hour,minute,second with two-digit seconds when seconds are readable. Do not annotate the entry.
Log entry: 12,45
